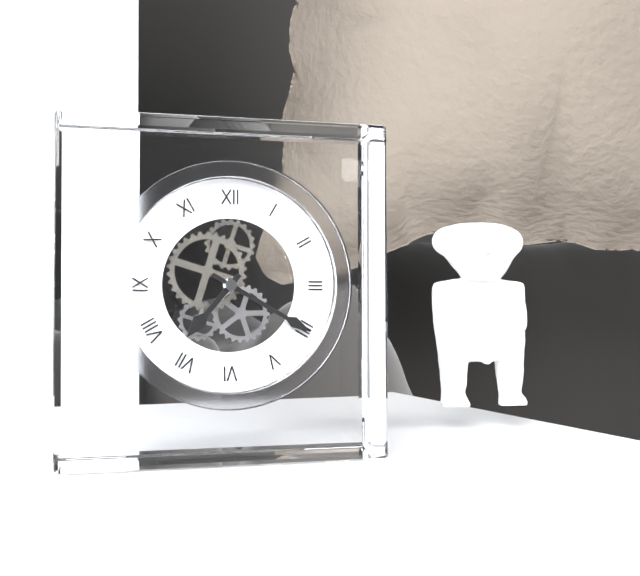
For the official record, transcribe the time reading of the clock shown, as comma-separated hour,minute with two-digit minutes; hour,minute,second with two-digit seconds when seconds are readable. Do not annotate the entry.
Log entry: 7,20
